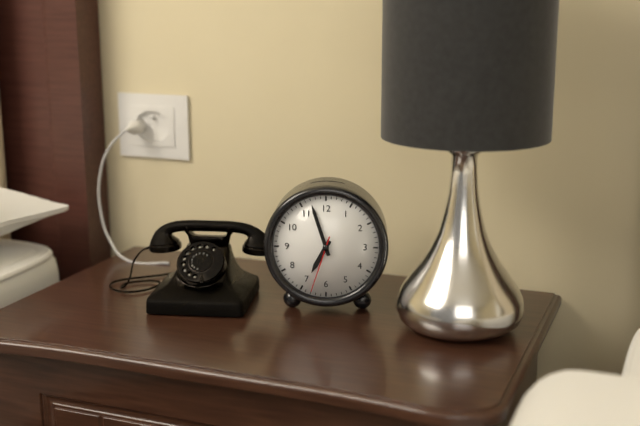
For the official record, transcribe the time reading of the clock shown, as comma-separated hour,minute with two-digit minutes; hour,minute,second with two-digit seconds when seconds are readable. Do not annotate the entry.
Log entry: 6,57,33
